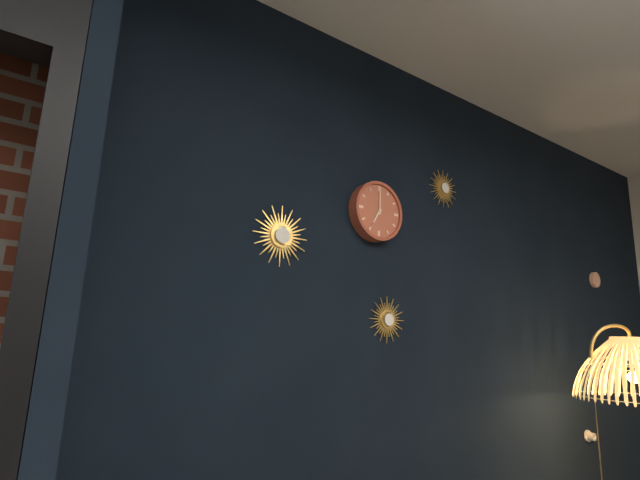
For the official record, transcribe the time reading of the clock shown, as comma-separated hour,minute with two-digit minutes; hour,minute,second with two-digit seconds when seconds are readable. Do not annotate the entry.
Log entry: 7,00
